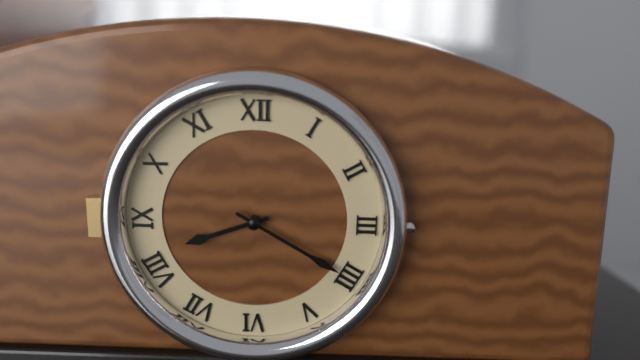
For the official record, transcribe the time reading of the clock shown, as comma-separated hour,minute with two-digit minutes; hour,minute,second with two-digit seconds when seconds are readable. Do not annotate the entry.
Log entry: 8,20
